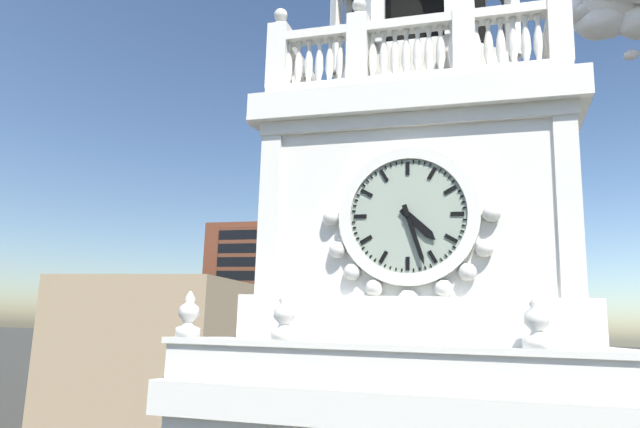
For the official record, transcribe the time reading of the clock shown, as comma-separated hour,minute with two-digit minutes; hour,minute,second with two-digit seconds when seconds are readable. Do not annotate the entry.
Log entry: 4,27
